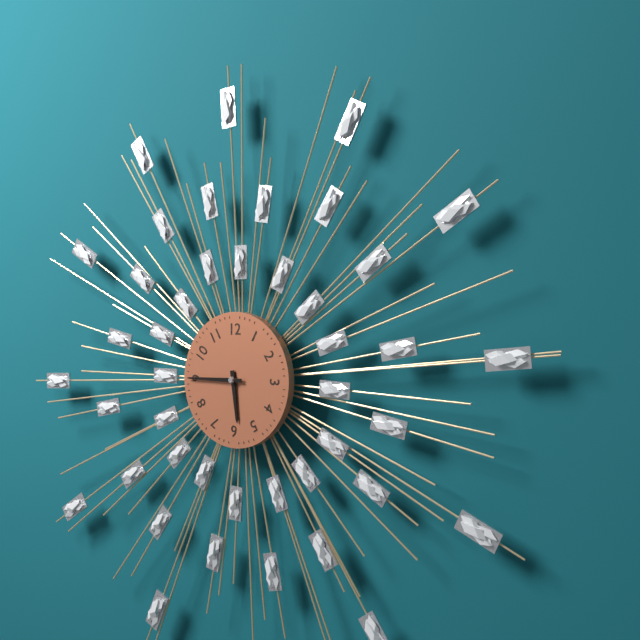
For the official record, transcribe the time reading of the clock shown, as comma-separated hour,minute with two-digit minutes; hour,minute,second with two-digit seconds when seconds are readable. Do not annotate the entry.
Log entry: 5,45
